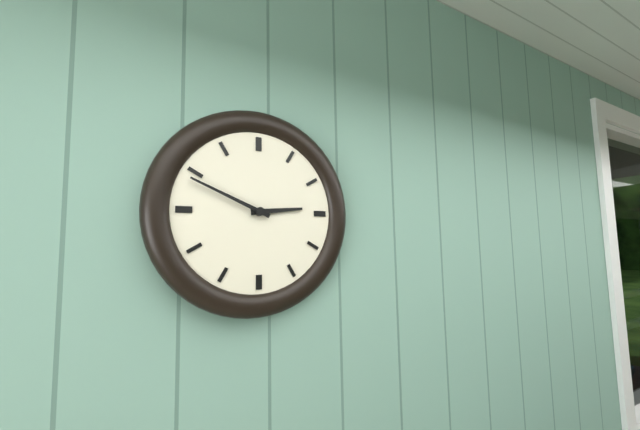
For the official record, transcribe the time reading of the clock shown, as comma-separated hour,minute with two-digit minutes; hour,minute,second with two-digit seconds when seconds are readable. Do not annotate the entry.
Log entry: 2,49
